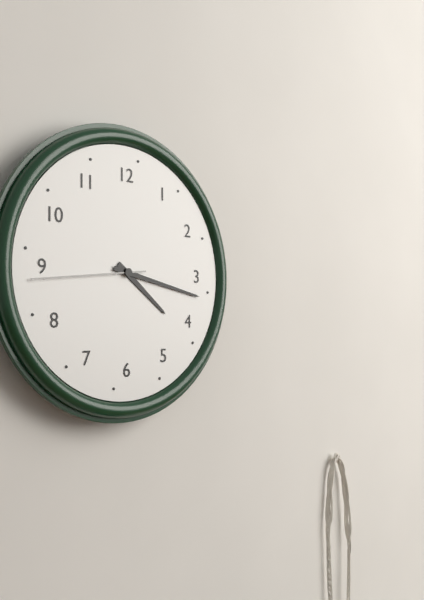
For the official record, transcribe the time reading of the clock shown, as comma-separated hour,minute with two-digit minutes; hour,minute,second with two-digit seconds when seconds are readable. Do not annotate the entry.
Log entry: 4,17,44
